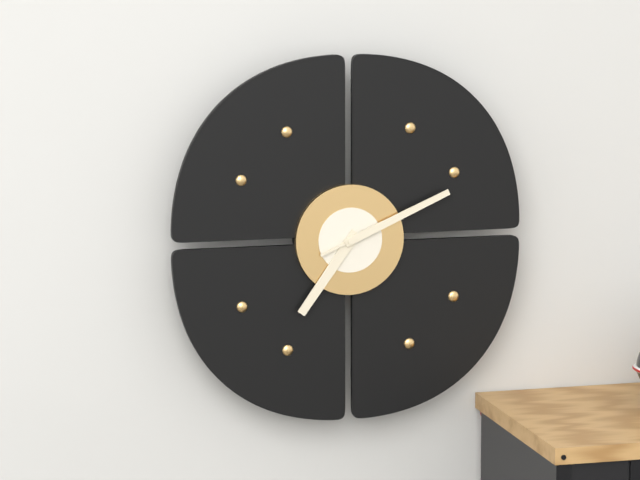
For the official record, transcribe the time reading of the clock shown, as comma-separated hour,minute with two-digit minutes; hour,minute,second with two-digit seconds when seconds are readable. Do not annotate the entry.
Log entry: 7,11
